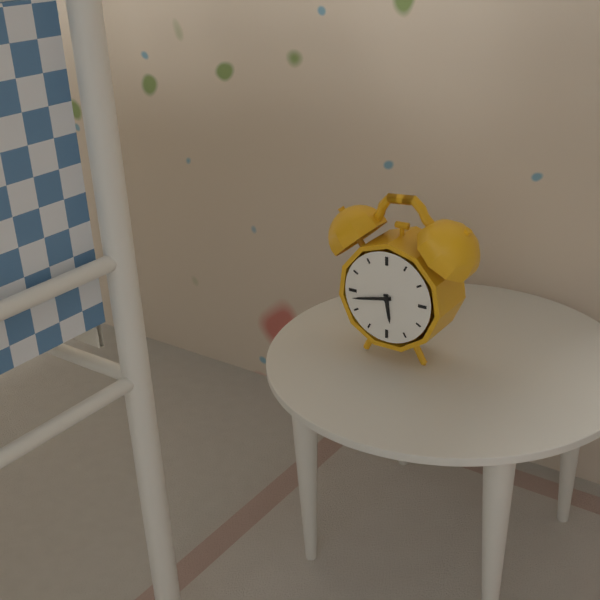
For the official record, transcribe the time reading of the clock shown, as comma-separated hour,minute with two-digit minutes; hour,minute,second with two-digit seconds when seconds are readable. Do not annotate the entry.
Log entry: 5,43
